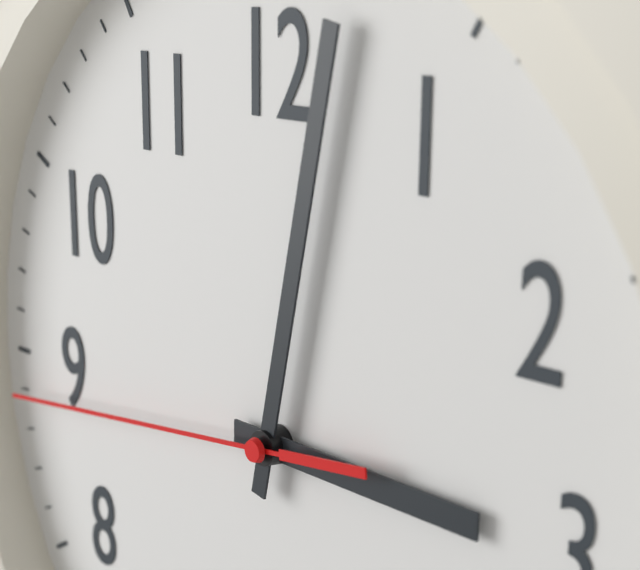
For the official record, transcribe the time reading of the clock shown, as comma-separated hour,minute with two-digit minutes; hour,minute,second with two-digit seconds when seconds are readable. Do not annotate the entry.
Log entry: 3,02,44
